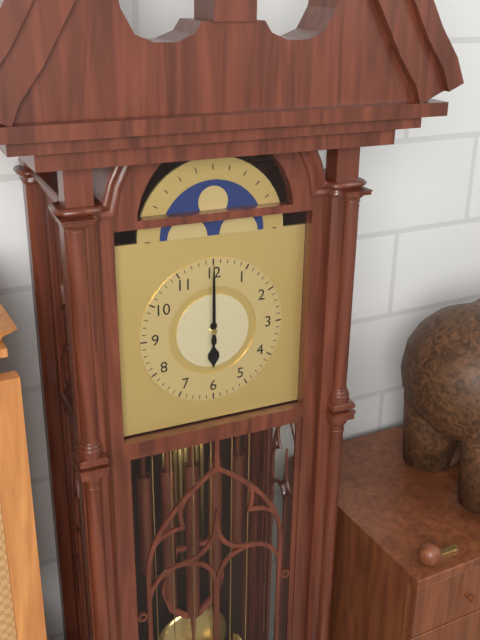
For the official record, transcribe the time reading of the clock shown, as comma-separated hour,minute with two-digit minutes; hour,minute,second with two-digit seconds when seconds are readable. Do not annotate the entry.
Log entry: 6,00
